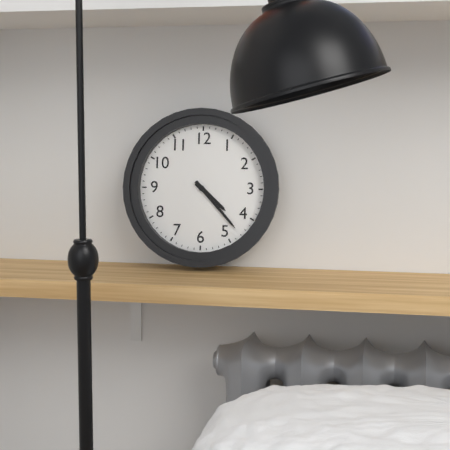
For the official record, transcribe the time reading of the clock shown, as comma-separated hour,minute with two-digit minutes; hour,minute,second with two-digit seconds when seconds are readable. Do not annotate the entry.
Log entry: 4,23
